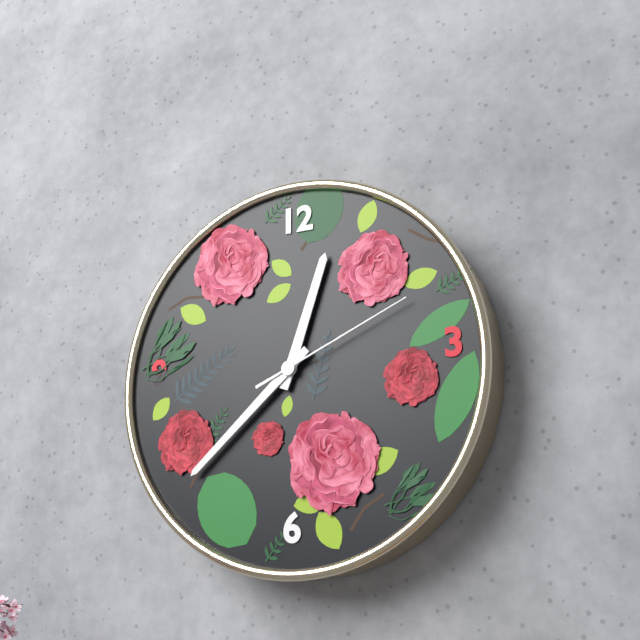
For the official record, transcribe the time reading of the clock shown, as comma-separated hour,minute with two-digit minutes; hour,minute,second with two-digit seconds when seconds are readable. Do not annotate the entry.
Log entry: 12,38,11
